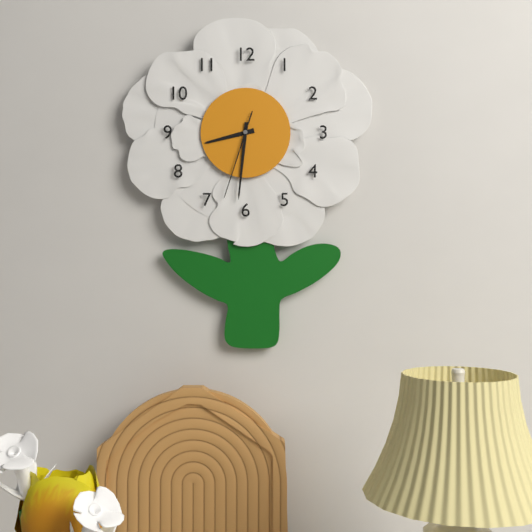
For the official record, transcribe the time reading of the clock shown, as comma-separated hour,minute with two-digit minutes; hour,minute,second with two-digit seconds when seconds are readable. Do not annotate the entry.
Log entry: 8,31,33
